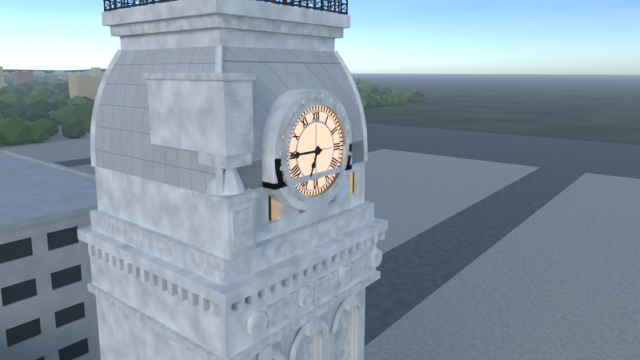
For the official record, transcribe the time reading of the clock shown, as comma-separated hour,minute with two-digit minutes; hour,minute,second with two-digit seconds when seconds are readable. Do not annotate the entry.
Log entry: 6,45
